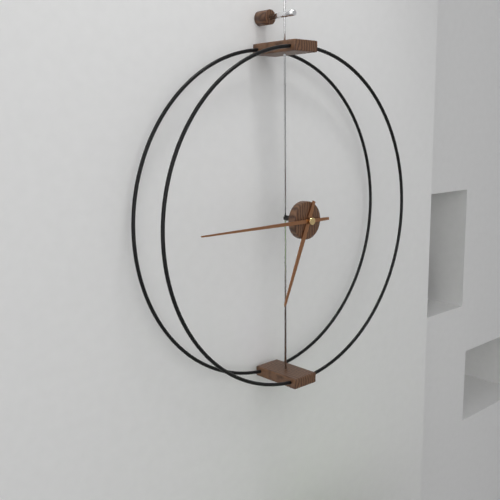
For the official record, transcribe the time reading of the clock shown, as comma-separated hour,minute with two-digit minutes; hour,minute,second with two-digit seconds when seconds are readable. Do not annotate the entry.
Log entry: 6,45
